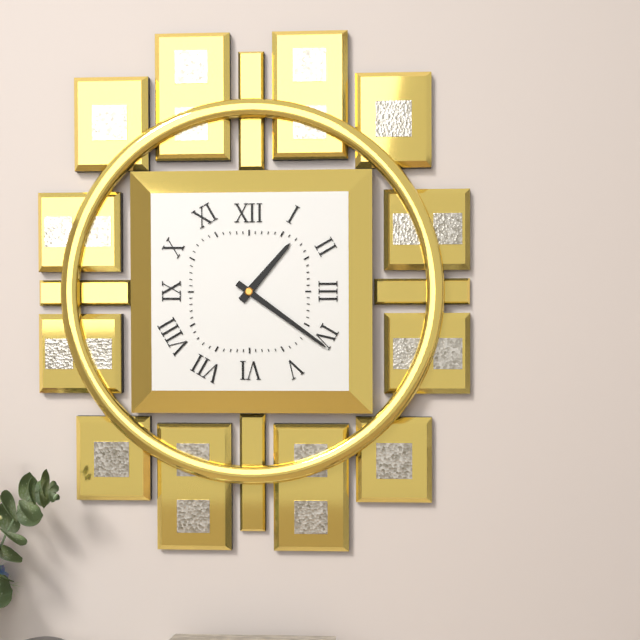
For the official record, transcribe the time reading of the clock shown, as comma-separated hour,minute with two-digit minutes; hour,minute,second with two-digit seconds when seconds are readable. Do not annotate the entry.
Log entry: 1,21
